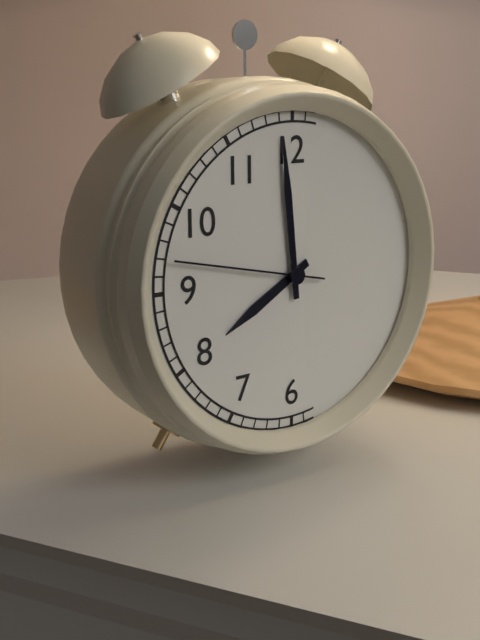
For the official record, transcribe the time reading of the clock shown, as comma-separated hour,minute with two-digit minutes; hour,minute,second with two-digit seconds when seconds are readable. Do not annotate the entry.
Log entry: 7,59,47
